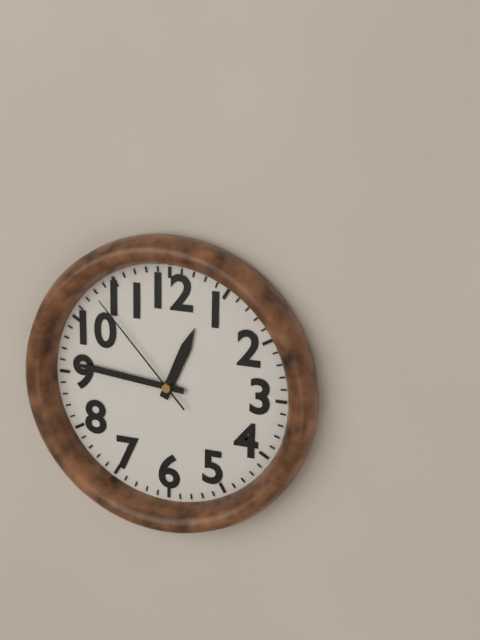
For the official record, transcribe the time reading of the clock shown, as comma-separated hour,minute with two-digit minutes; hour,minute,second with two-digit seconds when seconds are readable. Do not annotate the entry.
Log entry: 12,46,53
